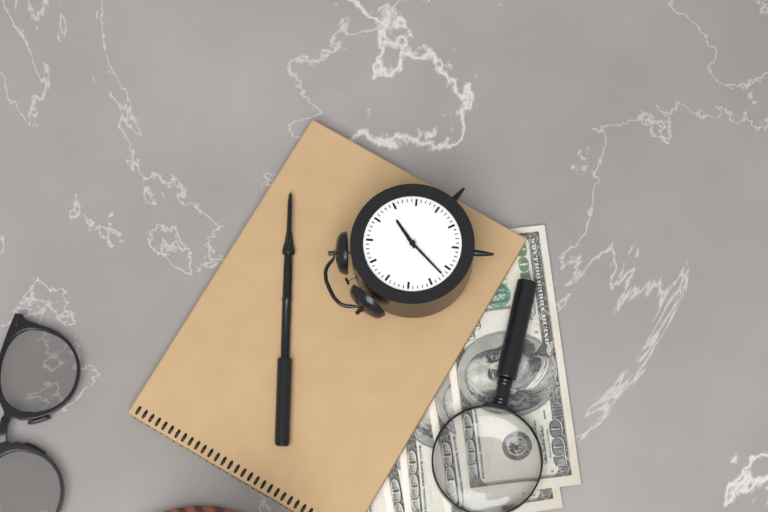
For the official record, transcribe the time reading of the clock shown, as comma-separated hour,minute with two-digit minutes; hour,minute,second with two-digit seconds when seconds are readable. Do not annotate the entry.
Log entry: 2,42
